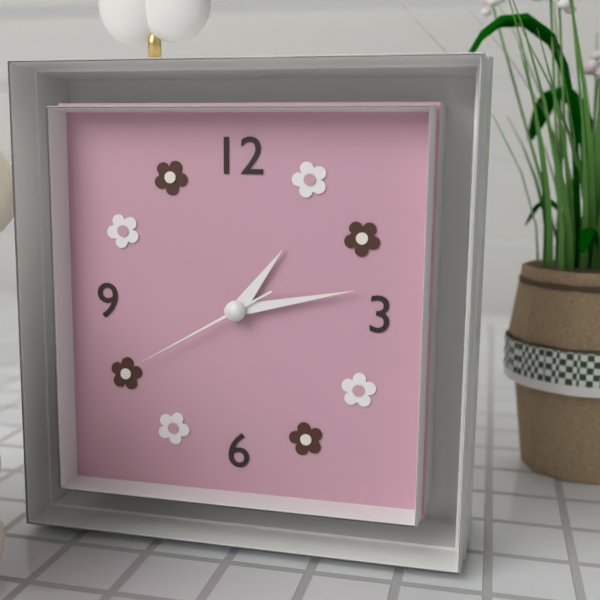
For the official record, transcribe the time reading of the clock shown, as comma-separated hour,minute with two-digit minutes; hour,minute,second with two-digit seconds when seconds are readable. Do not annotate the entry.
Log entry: 1,13,40
